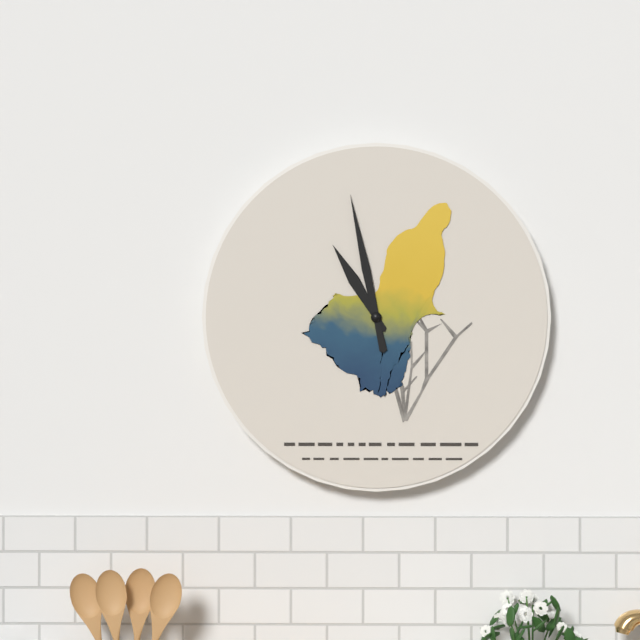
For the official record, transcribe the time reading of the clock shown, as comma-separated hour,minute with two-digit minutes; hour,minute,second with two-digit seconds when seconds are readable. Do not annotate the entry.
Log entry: 10,58
